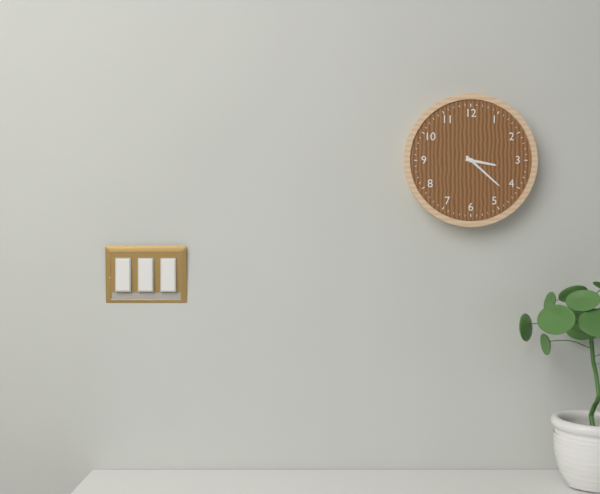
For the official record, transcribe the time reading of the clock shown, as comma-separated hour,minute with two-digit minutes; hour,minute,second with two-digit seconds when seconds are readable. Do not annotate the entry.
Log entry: 3,22
